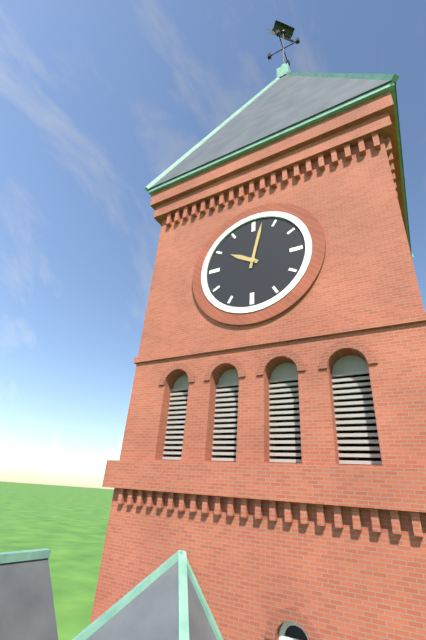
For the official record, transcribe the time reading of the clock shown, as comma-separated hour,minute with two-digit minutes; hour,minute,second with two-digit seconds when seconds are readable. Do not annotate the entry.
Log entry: 10,02
